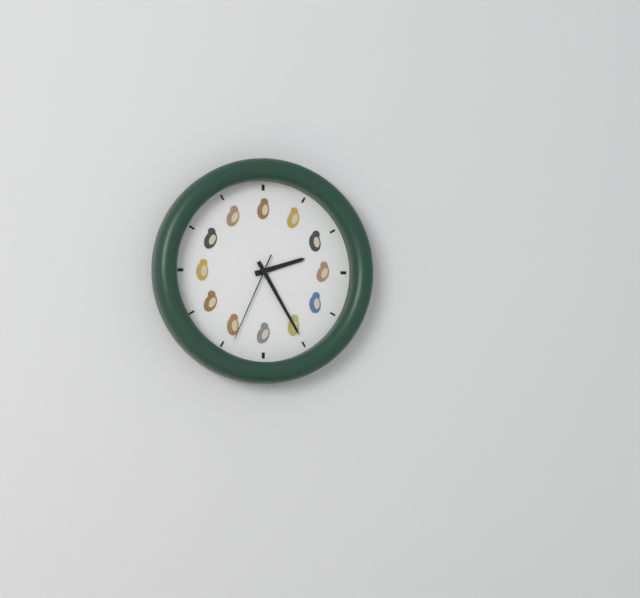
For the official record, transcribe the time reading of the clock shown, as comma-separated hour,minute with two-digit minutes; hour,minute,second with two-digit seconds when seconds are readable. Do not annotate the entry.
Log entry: 2,25,34
